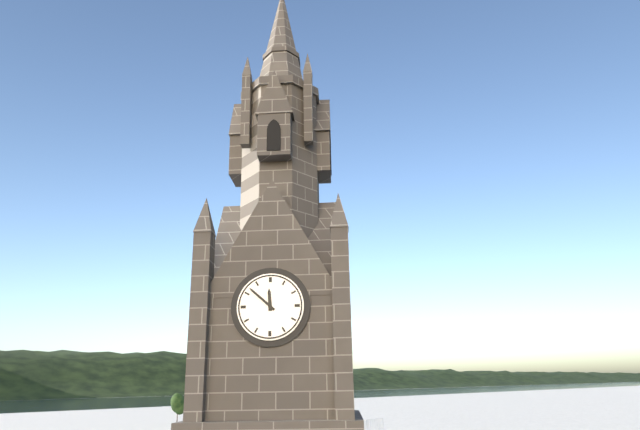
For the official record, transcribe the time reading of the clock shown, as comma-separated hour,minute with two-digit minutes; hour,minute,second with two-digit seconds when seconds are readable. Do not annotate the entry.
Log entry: 11,52
